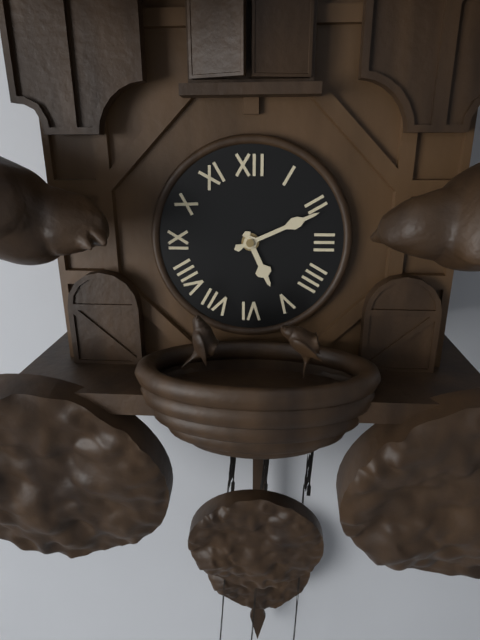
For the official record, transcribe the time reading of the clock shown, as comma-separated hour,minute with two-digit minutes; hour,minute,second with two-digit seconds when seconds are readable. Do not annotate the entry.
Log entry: 5,11
